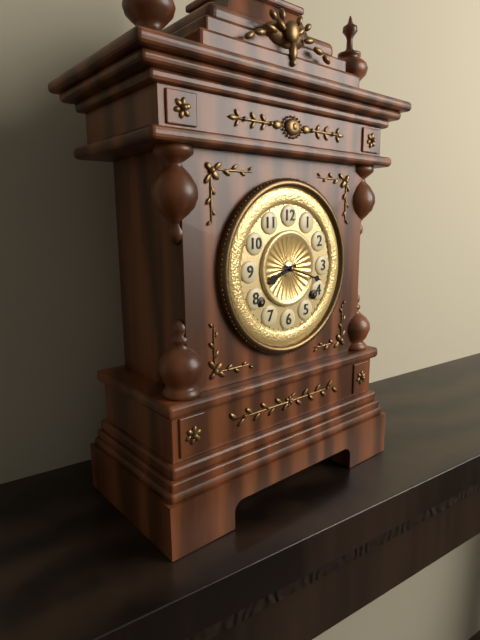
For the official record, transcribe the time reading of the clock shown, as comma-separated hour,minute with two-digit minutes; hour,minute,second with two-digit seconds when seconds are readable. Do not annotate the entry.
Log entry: 8,18
